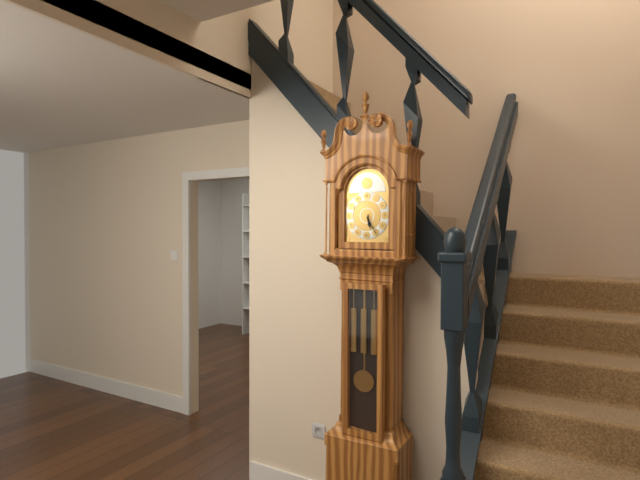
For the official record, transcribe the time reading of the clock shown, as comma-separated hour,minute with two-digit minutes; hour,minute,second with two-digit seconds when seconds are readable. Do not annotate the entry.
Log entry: 5,25
